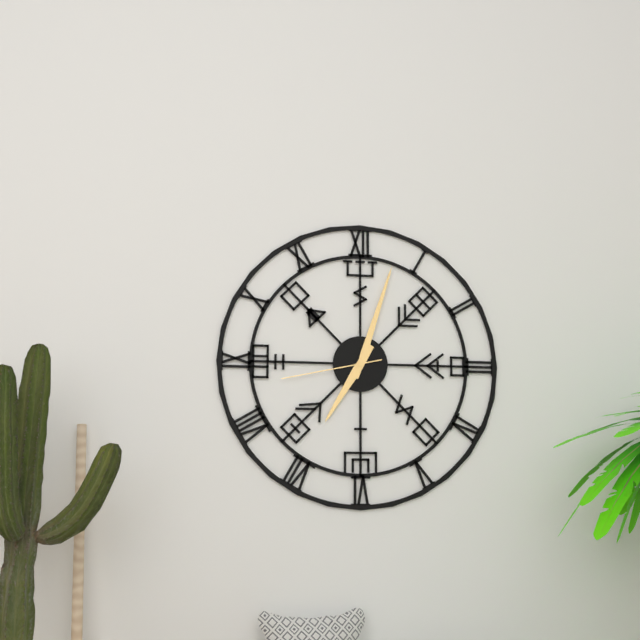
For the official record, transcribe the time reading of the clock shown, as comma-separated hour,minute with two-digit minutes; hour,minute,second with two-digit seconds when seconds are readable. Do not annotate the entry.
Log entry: 7,03,43
